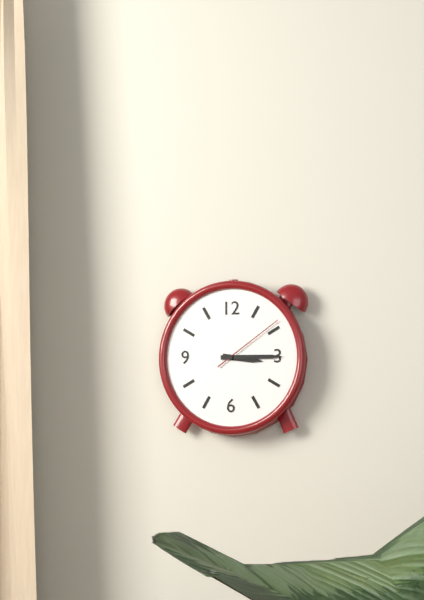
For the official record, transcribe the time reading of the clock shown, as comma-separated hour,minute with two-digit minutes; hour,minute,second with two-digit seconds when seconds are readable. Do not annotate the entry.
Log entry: 3,15,09
